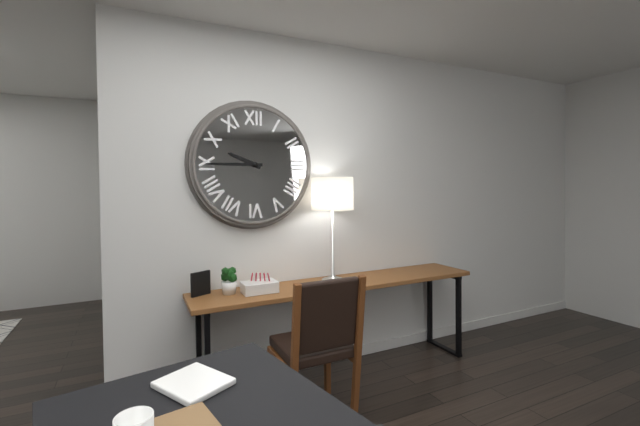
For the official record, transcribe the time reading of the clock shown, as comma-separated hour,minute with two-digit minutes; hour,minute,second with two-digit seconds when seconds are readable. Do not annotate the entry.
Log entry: 9,45
